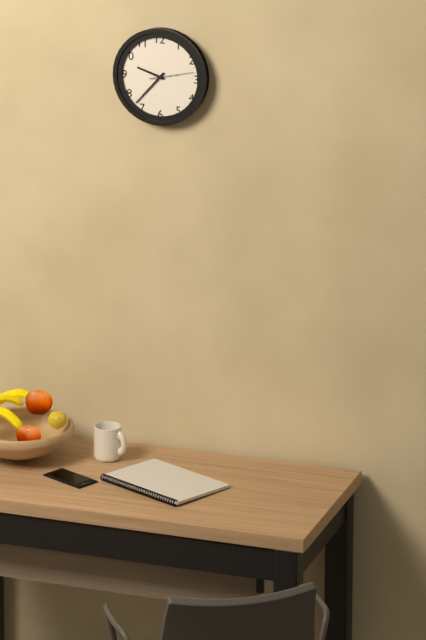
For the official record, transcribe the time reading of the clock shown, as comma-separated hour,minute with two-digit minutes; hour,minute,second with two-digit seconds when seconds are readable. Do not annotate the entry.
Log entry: 9,37
